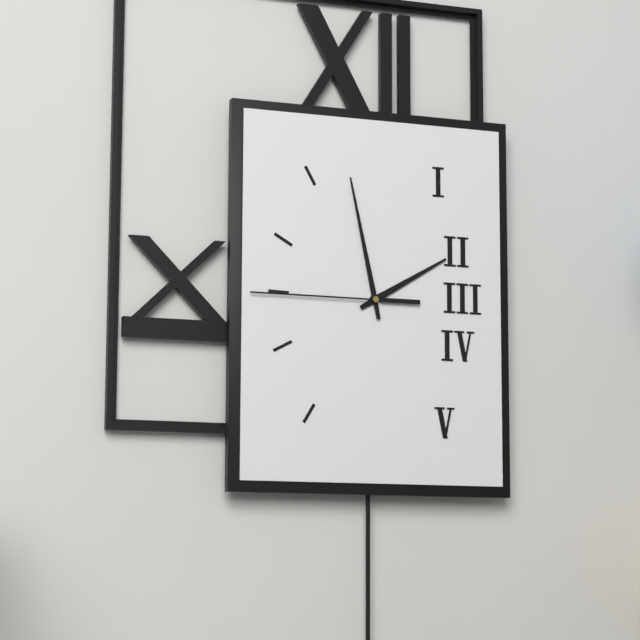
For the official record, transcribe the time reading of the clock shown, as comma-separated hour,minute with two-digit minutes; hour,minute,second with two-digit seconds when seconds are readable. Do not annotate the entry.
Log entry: 1,58,45
